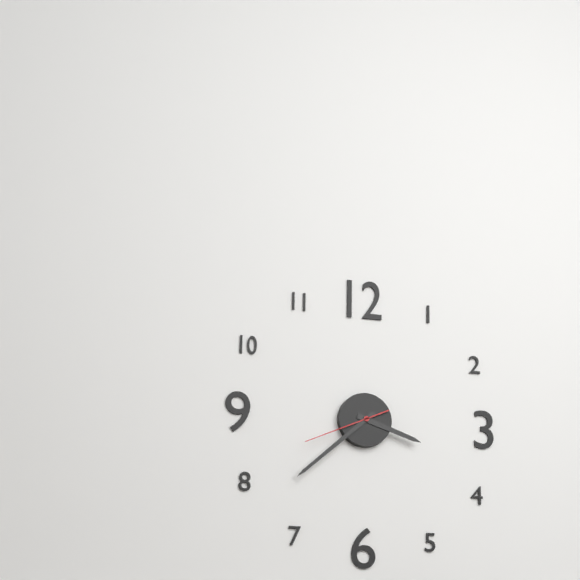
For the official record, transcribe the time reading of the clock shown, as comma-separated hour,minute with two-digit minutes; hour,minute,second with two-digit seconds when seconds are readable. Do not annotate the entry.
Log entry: 3,38,41
